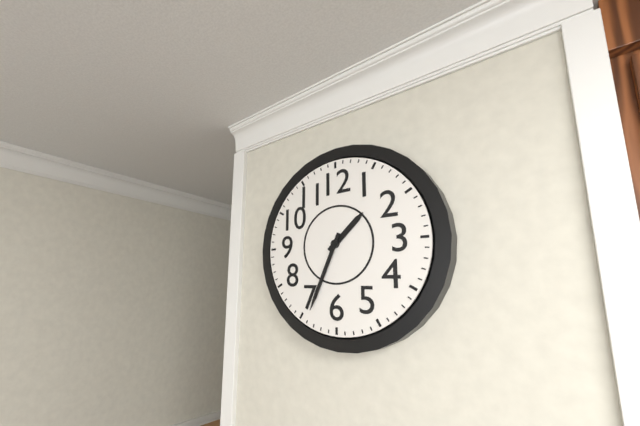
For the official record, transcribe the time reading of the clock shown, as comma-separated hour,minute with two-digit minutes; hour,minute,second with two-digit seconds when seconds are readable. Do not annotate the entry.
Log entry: 1,34
